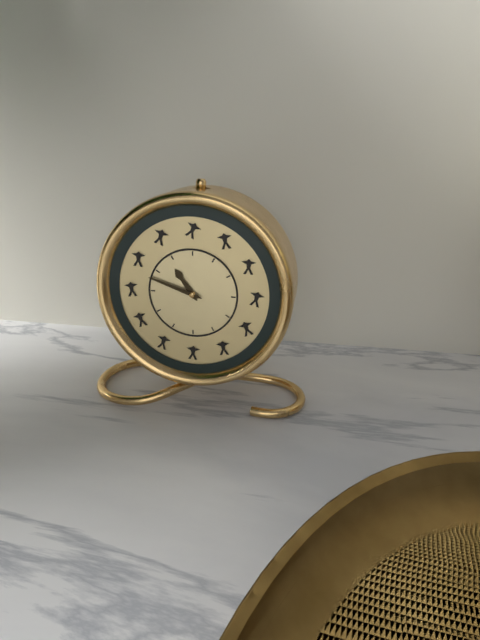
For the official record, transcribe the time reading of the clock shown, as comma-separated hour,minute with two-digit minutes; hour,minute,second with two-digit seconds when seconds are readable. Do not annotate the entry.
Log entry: 10,48
